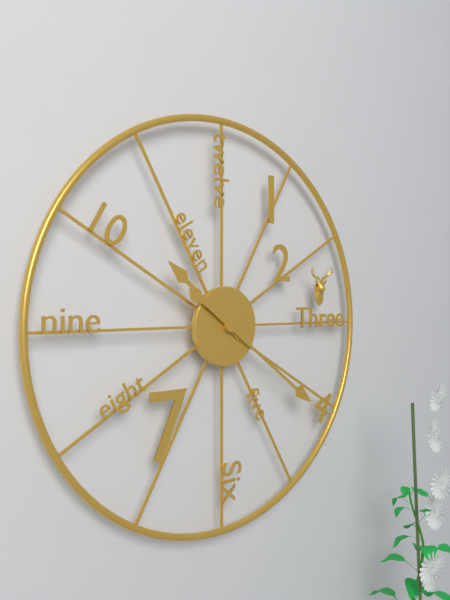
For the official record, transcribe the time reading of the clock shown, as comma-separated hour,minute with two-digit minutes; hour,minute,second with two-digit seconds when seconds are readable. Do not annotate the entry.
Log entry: 10,21
